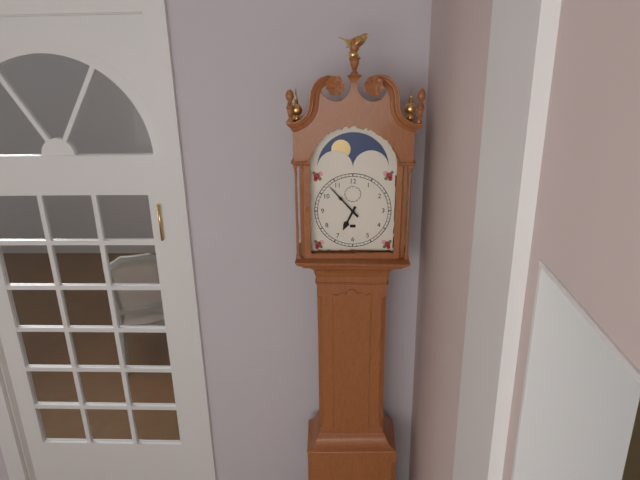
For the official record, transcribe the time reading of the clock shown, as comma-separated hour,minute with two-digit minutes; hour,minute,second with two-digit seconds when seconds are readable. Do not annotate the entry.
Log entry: 6,53
